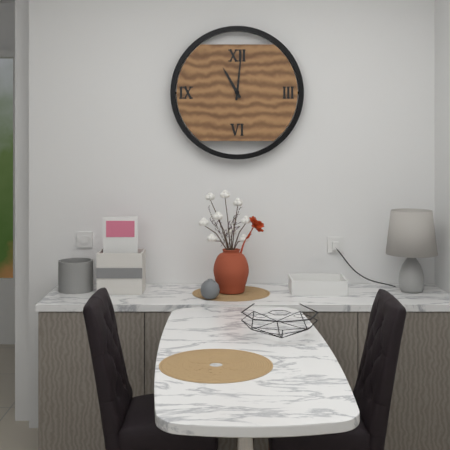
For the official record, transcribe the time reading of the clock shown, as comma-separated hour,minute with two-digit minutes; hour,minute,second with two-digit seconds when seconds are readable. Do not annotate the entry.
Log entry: 11,01
